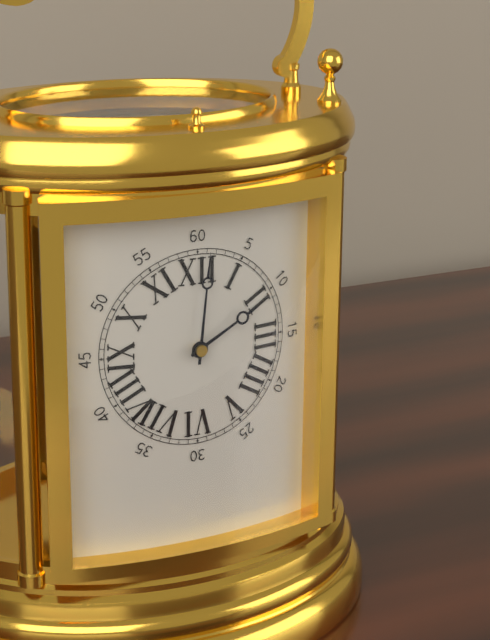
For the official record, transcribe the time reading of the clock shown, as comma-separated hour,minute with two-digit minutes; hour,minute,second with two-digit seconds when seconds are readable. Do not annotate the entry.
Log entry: 2,01
